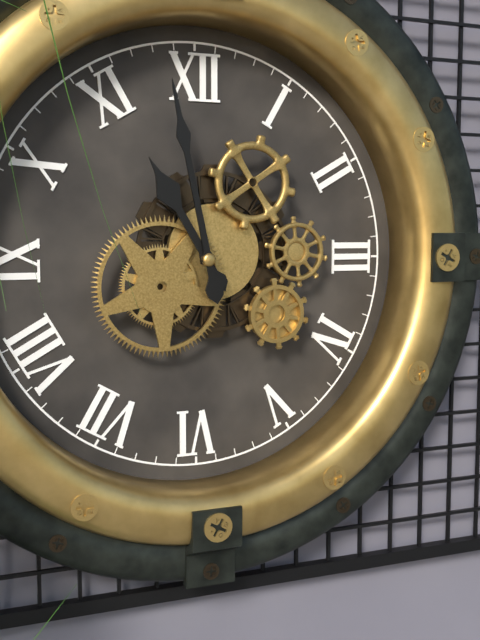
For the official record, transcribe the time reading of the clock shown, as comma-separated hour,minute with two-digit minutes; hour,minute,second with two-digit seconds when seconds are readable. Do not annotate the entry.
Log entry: 10,58
